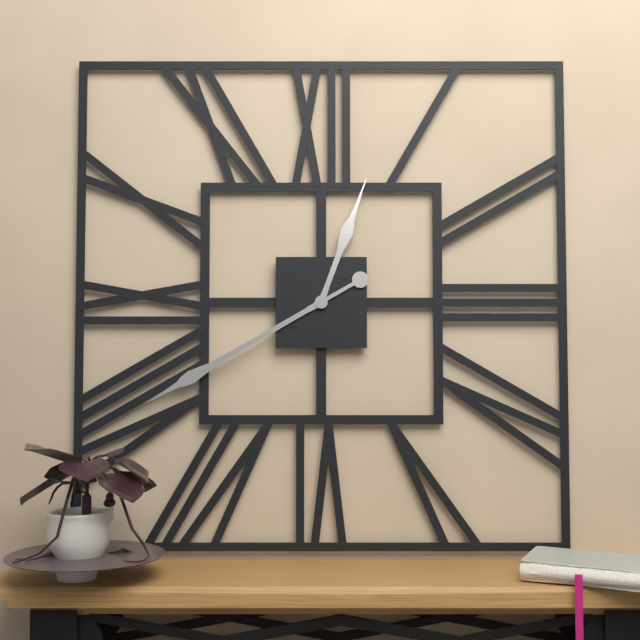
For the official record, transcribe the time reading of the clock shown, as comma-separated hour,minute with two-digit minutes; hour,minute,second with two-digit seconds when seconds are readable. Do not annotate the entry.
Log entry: 12,40
